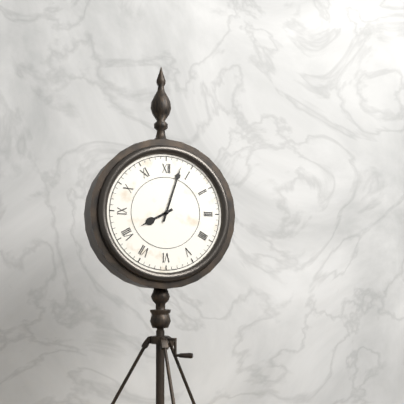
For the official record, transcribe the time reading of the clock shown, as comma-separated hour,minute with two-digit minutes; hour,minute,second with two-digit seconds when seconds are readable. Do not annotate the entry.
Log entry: 8,03
